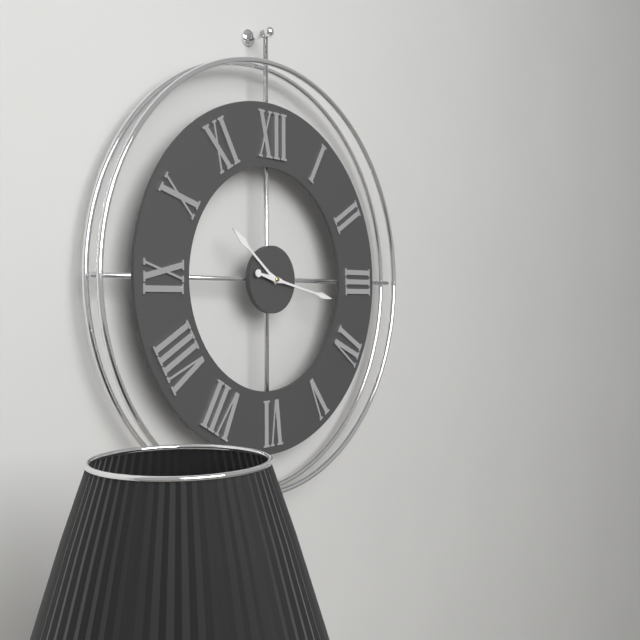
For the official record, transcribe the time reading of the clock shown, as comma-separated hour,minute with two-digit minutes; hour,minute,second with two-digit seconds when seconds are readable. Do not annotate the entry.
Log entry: 10,17
